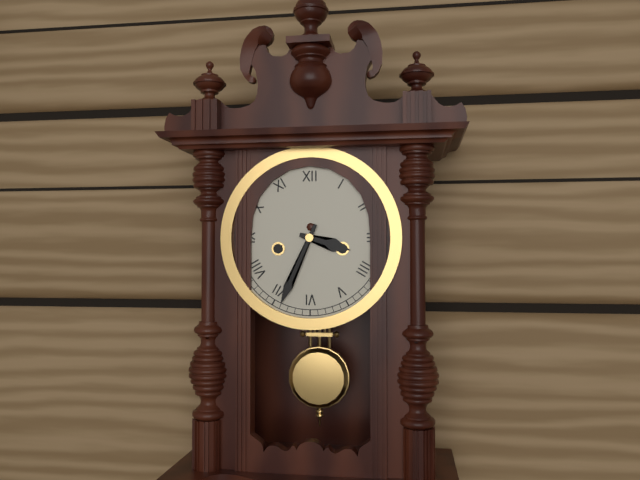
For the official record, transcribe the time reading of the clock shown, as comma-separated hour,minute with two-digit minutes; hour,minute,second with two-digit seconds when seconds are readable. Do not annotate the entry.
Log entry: 3,34
